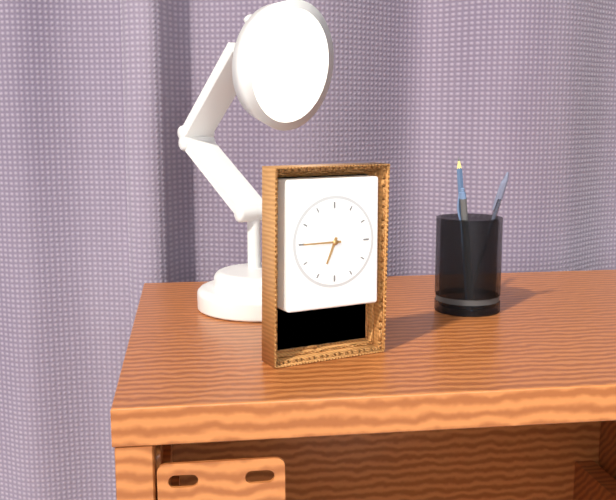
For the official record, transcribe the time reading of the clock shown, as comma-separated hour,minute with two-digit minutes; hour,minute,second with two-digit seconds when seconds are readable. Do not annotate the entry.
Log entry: 6,45
